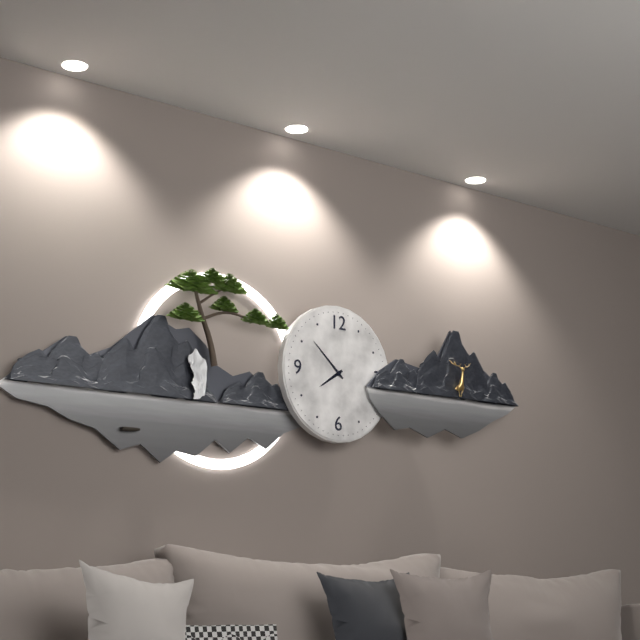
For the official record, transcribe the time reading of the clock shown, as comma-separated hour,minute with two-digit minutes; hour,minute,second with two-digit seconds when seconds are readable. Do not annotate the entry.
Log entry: 7,52
